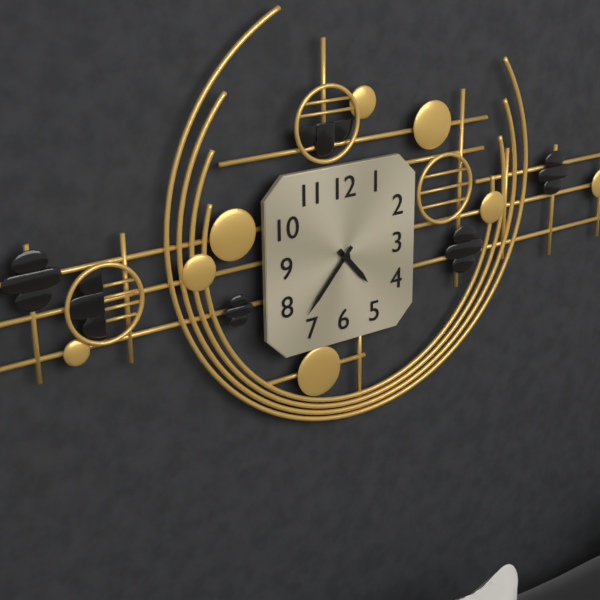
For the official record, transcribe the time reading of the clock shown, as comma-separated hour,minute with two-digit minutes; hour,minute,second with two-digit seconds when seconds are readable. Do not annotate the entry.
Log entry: 4,37
